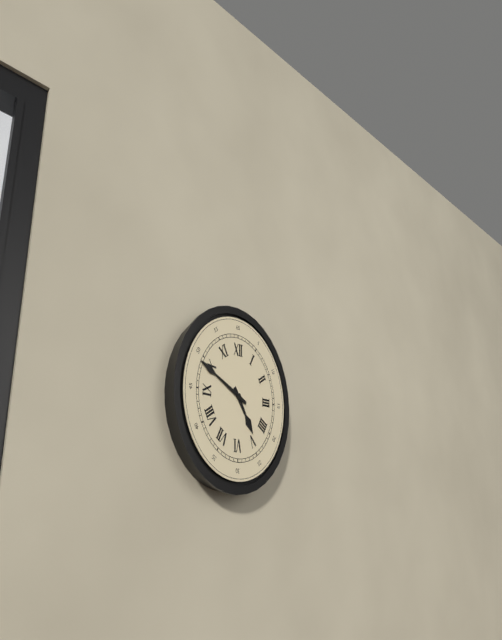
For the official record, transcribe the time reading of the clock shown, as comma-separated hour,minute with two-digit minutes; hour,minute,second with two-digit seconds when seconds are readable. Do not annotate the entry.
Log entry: 4,49
